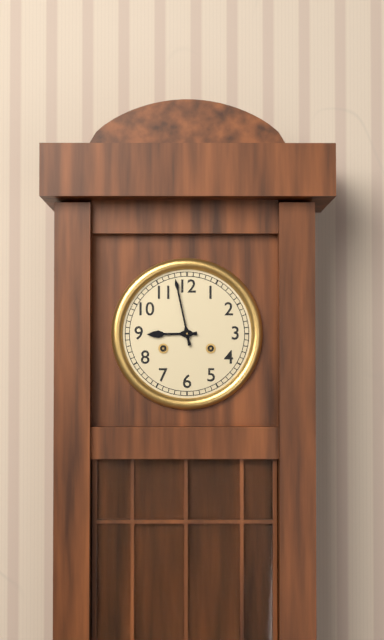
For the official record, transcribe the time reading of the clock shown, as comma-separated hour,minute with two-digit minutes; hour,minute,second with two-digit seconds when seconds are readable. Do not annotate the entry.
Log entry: 8,58
